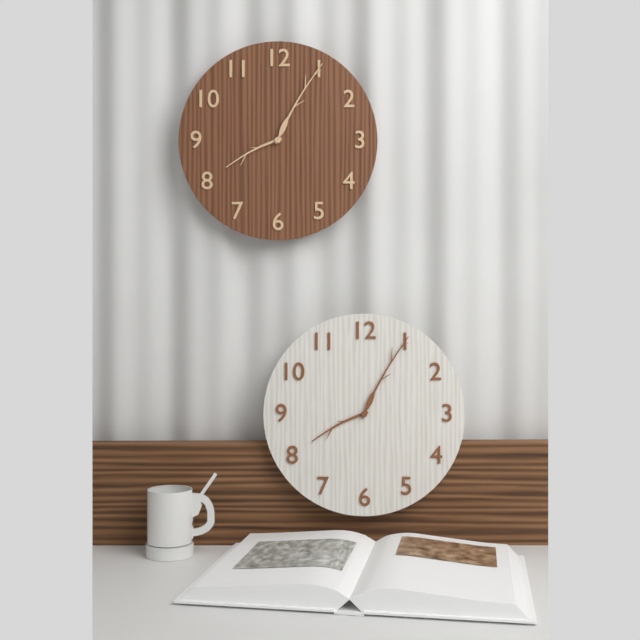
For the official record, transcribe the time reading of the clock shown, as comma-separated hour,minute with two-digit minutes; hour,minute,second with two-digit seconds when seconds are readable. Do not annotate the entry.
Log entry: 8,05
